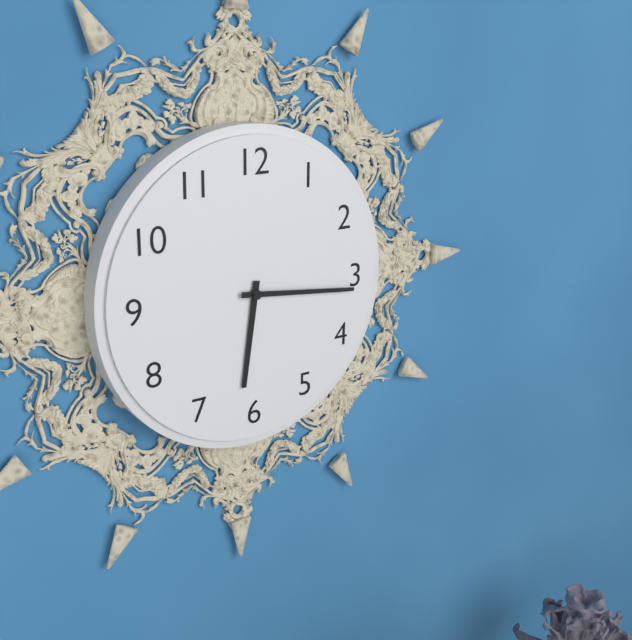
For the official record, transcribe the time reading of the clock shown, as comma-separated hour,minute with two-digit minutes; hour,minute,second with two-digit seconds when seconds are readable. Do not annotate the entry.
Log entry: 6,16
